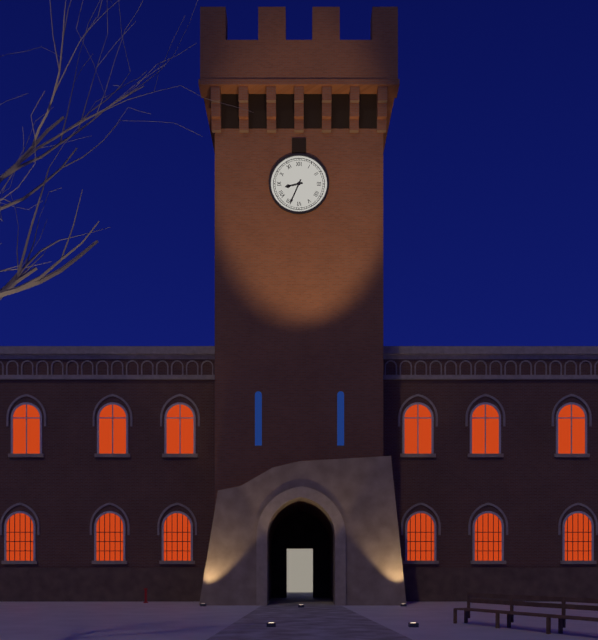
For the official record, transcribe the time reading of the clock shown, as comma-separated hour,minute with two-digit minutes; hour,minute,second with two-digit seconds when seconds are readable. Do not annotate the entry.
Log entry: 8,34
